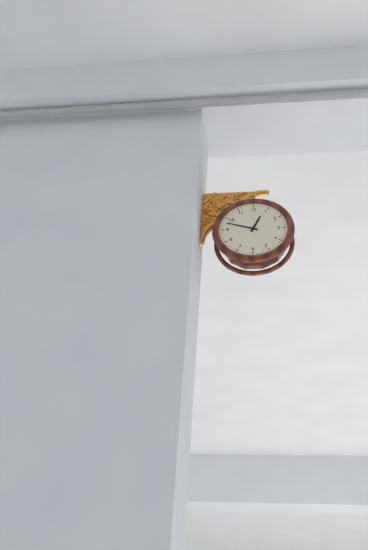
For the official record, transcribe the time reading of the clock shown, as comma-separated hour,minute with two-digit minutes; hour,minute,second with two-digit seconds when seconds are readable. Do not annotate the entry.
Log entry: 12,48
